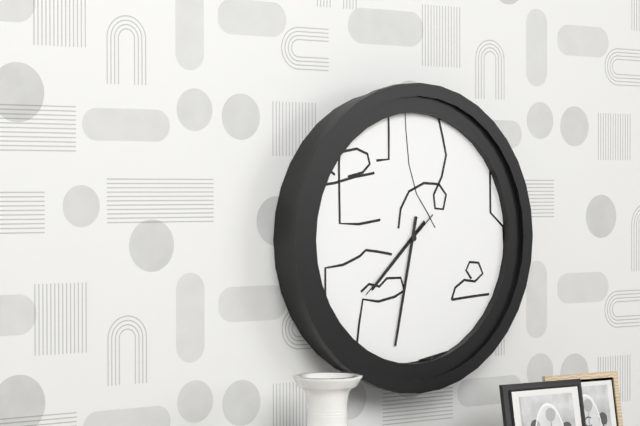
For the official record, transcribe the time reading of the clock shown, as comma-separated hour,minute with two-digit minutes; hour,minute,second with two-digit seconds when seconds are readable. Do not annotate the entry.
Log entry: 7,32,38
